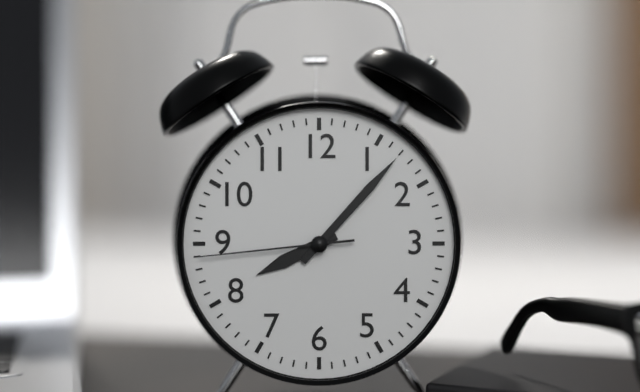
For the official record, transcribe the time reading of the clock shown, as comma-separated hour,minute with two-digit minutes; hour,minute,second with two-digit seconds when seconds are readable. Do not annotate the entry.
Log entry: 8,07,44
